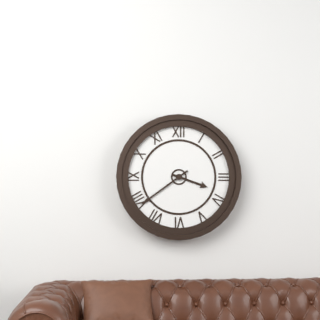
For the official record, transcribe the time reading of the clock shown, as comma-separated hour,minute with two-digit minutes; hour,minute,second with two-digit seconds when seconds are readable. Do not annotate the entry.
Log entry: 3,39
